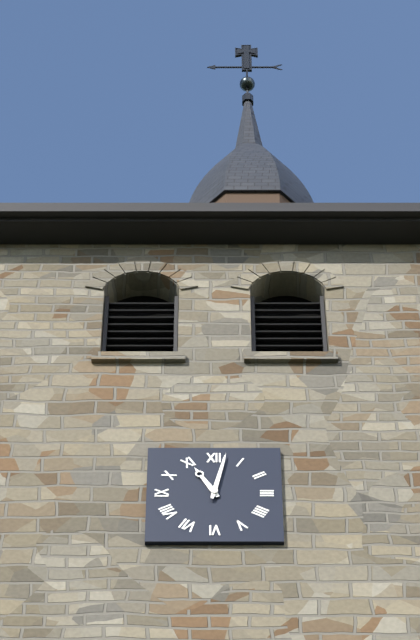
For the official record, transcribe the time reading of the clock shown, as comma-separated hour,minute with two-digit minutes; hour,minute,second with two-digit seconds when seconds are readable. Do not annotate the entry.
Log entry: 11,02
